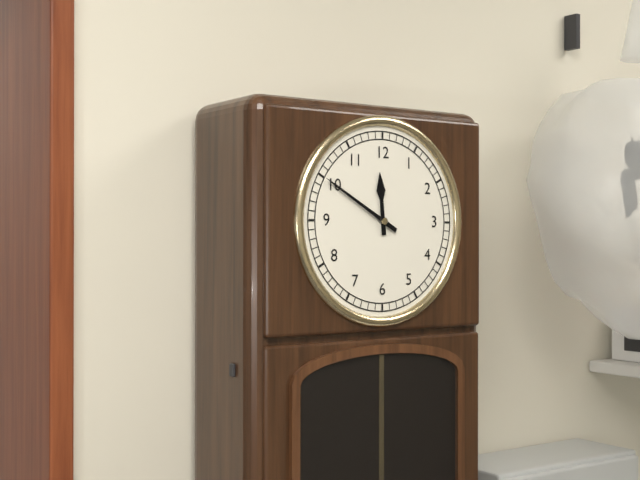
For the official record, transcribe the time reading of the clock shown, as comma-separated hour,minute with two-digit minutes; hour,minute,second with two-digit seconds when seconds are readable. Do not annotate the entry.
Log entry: 11,50
